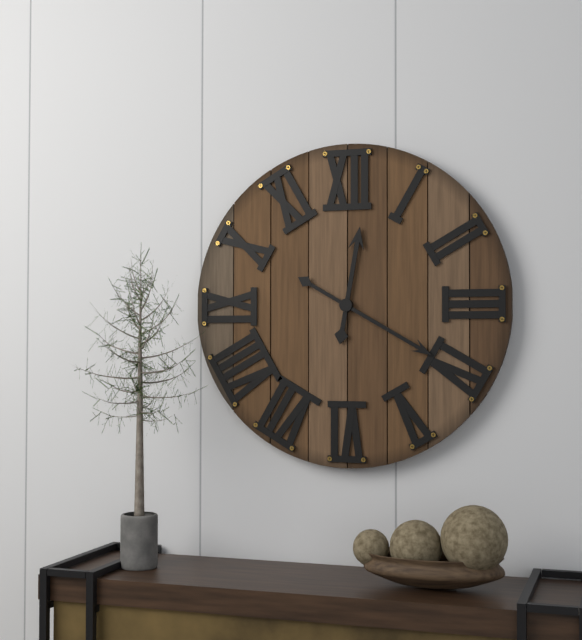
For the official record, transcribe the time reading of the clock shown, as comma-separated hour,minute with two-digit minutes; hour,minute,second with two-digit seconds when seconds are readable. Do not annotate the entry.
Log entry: 12,20
